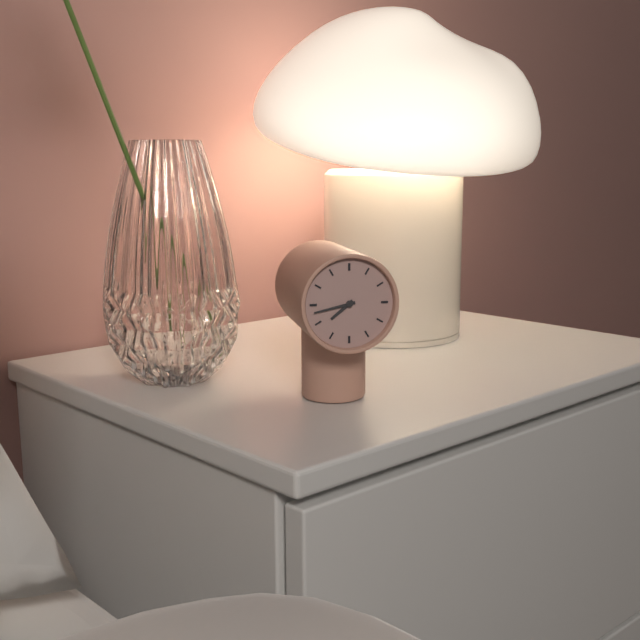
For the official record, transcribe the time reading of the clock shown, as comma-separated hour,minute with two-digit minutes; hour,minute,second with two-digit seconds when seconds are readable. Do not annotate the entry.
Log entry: 7,43
